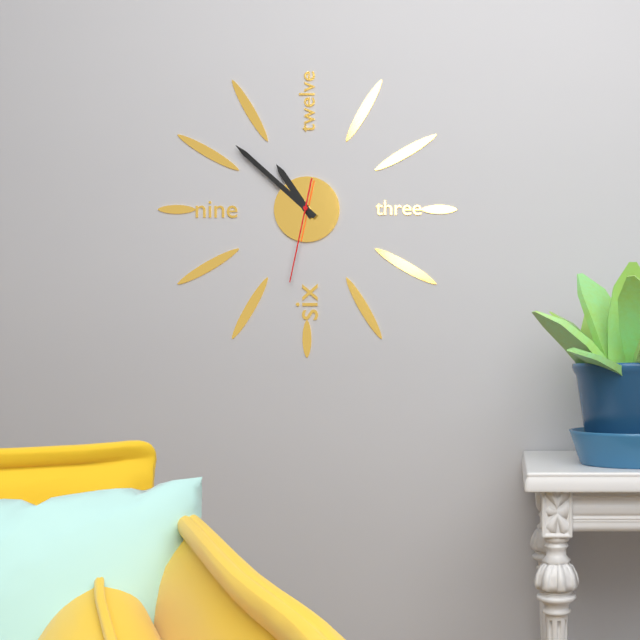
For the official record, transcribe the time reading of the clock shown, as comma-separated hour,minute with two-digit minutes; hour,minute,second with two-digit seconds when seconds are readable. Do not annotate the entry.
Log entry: 10,52,32
